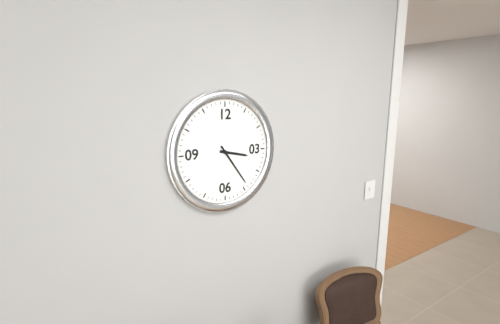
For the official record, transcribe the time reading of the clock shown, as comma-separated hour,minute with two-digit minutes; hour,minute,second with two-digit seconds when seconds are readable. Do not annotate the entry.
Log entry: 3,24
